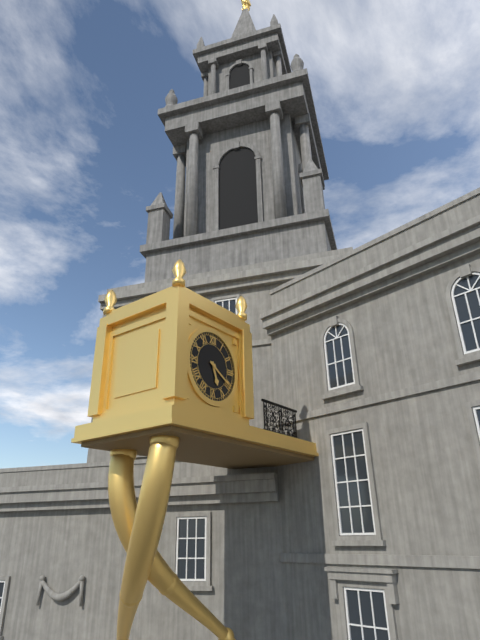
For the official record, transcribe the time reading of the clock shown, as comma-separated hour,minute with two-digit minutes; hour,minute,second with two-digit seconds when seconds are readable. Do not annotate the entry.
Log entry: 5,20
